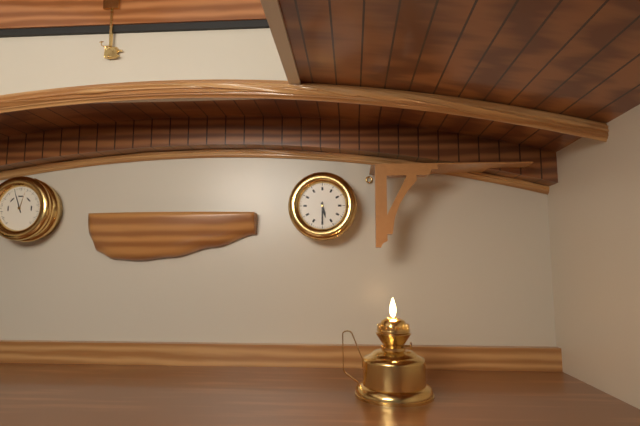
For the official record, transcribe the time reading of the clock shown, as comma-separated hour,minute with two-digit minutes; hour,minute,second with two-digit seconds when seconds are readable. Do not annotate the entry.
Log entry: 5,30
